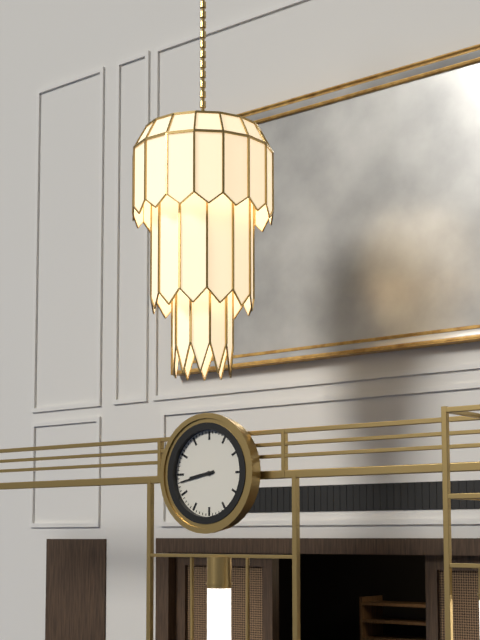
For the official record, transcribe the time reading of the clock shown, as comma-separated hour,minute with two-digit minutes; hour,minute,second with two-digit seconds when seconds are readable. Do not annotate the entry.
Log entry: 8,43
